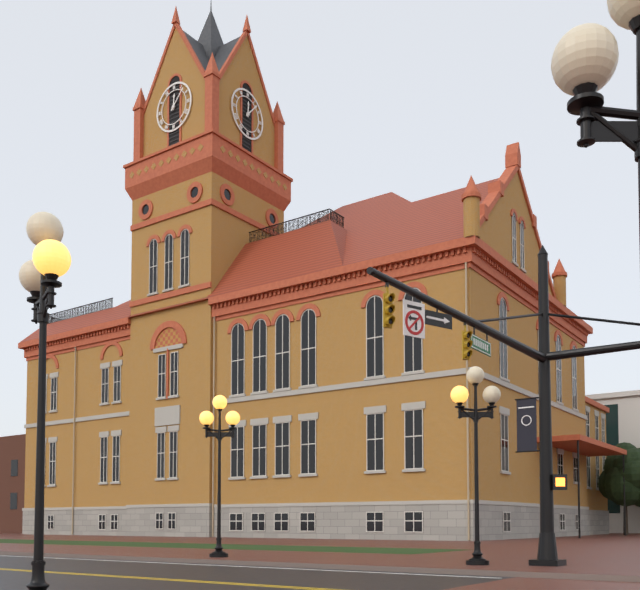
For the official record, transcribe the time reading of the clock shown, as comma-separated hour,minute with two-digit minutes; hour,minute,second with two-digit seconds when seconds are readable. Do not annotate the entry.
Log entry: 12,07
